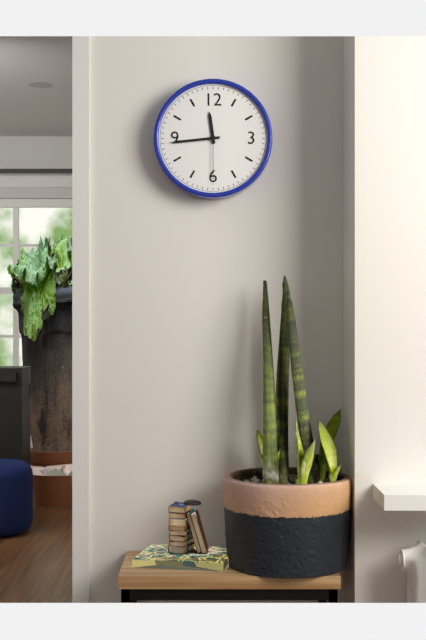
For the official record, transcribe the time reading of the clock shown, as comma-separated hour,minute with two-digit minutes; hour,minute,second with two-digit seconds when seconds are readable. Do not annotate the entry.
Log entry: 11,44,30
